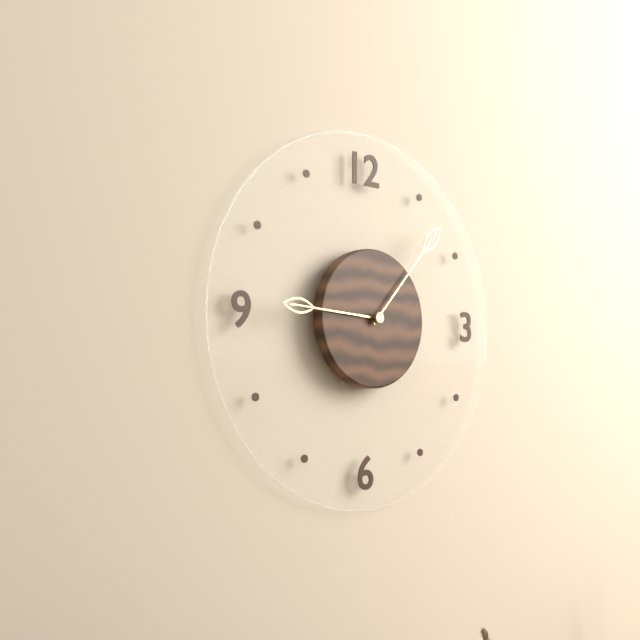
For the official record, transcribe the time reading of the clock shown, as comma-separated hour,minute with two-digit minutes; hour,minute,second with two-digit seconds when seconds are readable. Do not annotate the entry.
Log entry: 9,07
